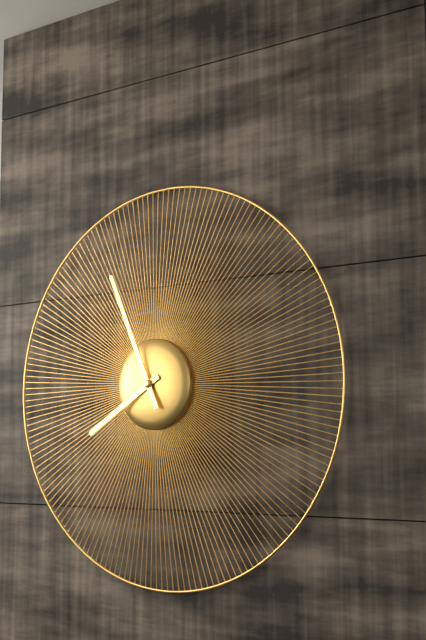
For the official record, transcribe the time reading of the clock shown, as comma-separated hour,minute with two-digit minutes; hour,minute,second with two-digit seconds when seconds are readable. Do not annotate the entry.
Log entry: 7,56
